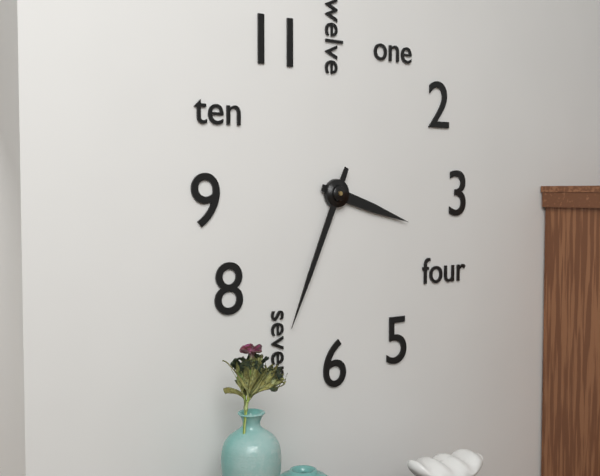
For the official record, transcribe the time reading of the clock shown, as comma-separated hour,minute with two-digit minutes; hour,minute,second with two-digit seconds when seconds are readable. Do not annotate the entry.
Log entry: 3,34
